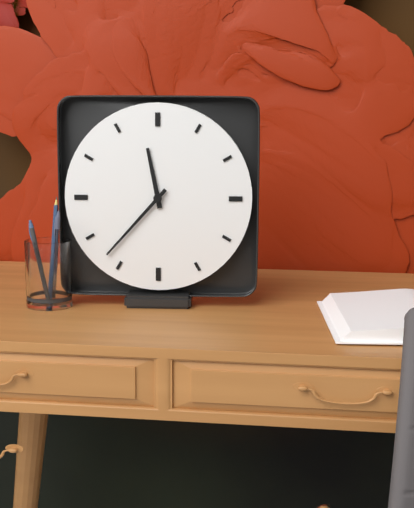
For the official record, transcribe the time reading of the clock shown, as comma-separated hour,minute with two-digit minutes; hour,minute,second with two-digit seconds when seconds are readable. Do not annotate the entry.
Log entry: 11,37
